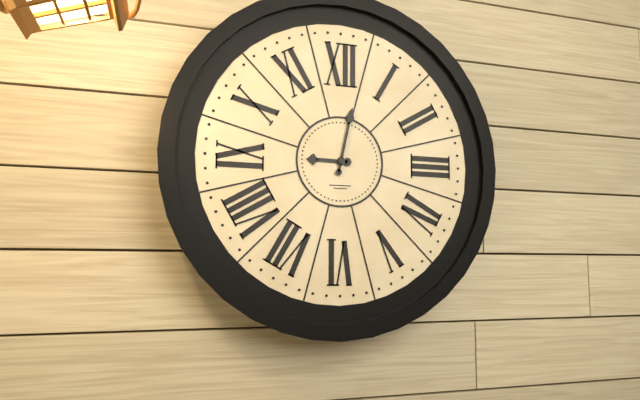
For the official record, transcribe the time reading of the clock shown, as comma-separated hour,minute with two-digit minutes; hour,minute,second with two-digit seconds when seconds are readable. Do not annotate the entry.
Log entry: 9,02
